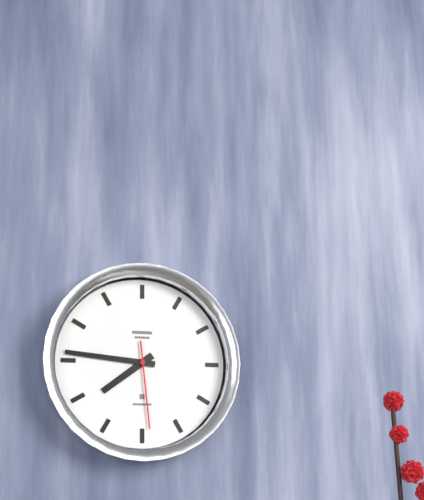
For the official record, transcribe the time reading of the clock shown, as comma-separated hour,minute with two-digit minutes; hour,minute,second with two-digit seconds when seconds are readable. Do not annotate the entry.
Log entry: 7,46,29
